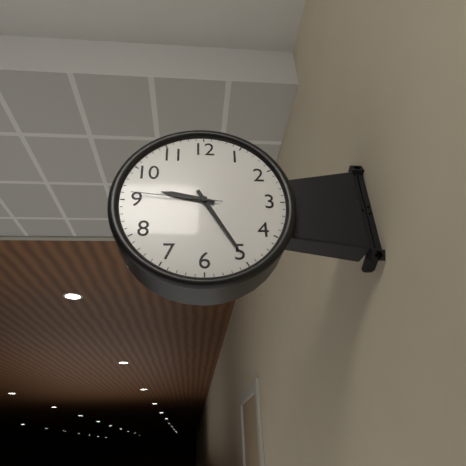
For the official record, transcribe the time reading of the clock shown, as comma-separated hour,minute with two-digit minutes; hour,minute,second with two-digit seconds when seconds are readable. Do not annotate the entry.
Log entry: 9,25,46
